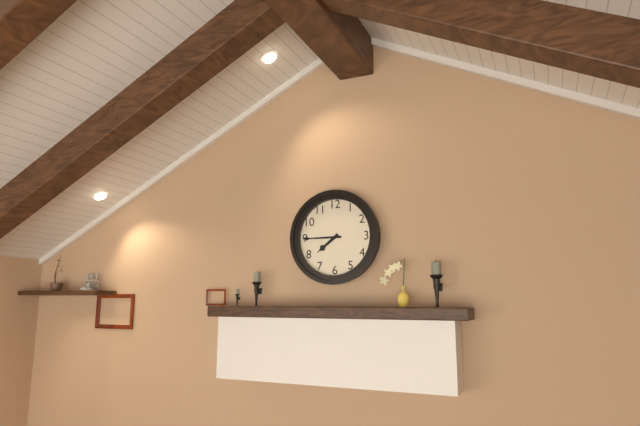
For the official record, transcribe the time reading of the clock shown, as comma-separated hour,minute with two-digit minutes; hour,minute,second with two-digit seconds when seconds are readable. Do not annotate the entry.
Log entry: 7,45
